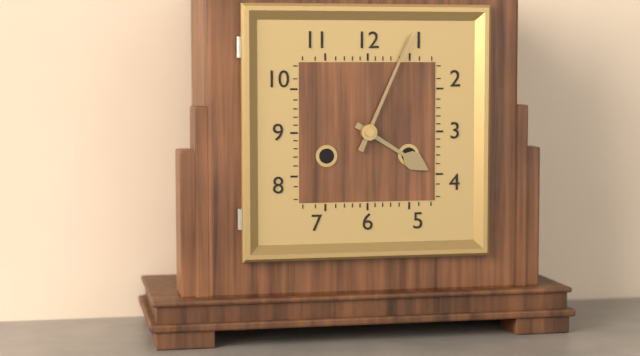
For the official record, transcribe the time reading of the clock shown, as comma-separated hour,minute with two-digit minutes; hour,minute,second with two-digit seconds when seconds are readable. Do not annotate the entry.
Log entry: 4,04
